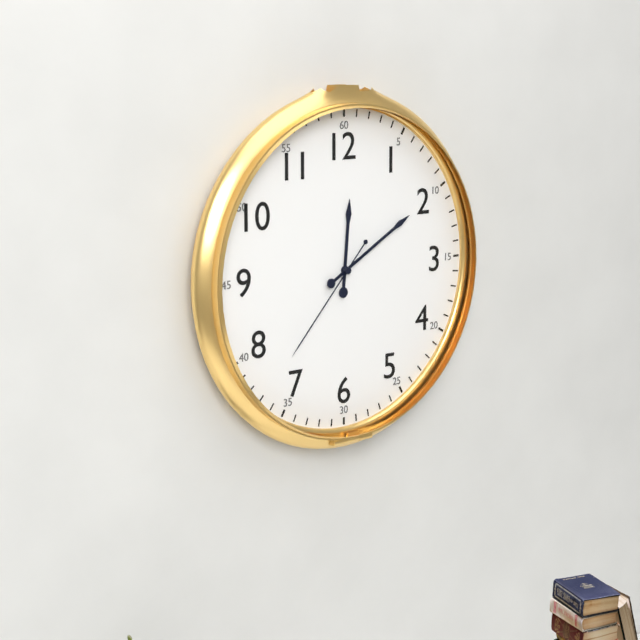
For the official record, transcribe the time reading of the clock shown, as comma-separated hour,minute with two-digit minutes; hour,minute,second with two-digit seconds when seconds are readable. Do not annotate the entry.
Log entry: 12,10,37
